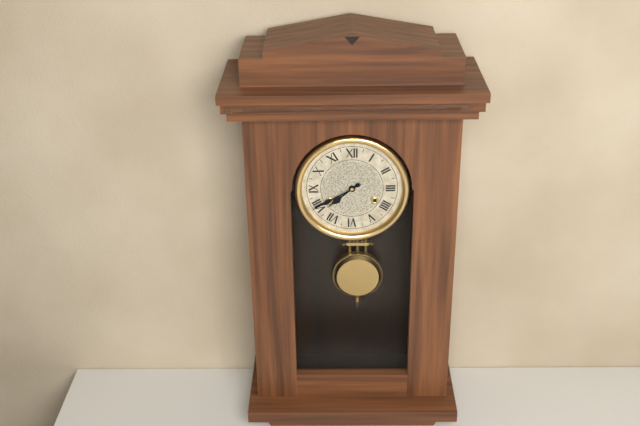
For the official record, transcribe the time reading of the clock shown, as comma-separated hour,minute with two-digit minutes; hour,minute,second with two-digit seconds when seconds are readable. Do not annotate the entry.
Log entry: 7,40
